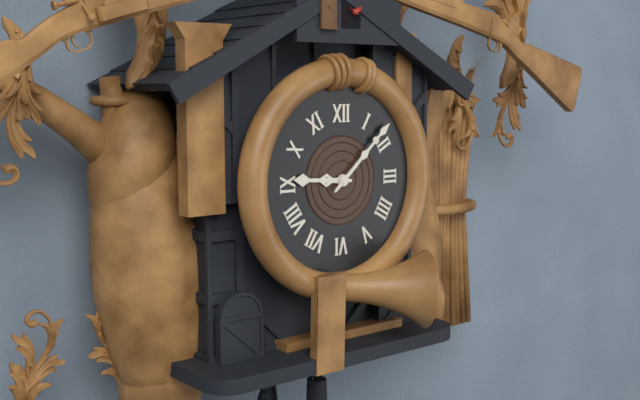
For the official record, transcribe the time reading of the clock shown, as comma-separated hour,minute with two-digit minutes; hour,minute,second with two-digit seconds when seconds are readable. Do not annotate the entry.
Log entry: 9,08
